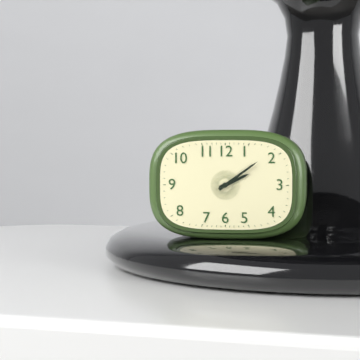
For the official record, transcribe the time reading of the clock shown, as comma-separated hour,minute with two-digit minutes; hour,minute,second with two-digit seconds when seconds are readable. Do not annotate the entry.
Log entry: 2,09
